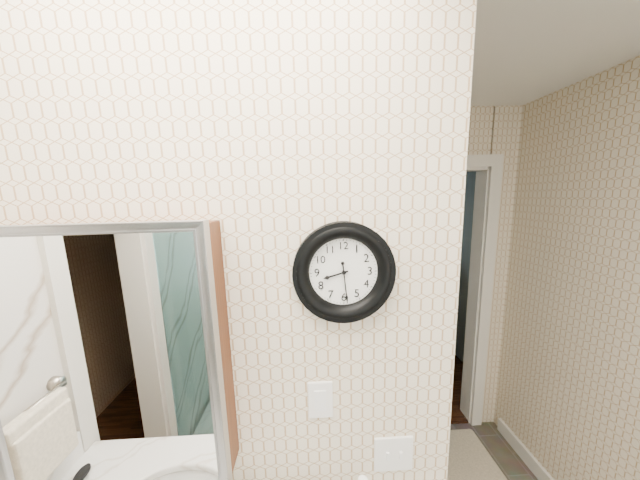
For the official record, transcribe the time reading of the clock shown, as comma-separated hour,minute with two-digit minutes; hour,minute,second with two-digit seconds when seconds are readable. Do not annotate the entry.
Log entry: 8,29
